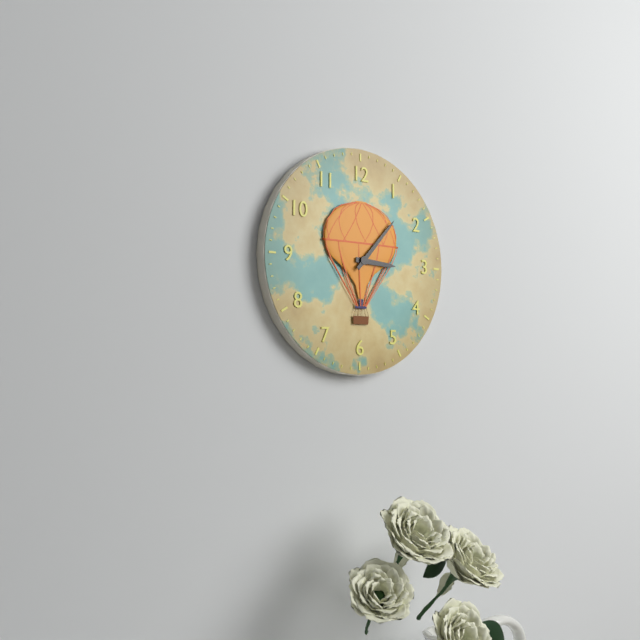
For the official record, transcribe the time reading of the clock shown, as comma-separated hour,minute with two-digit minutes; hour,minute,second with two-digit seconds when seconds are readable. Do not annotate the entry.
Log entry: 3,07
